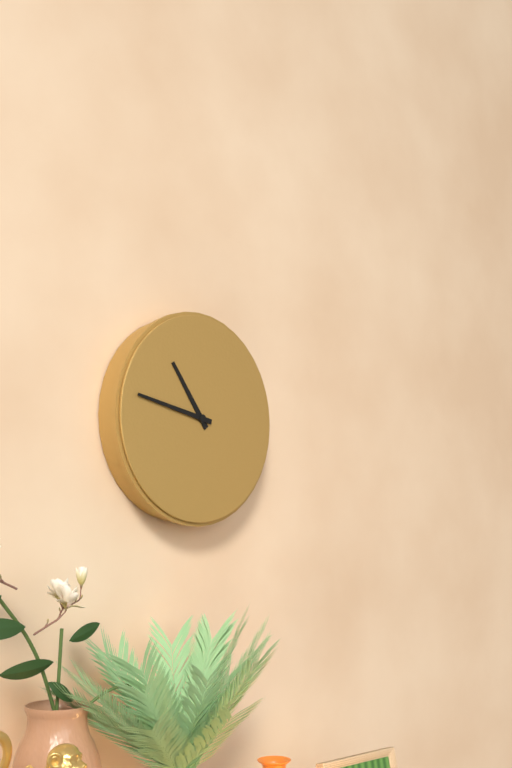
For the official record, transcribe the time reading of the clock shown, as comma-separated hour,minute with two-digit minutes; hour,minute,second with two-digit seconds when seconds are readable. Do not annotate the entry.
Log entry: 10,47
